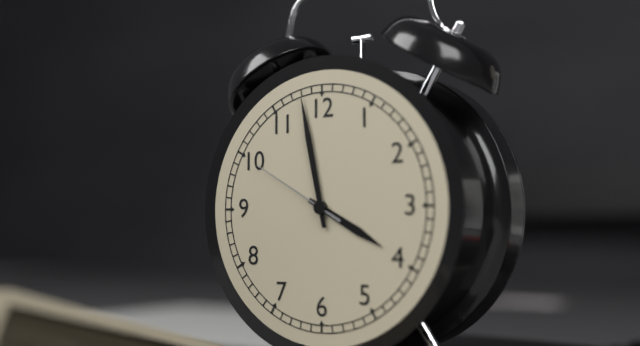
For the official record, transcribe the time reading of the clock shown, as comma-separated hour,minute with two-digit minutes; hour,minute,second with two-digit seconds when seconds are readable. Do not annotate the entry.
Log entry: 3,58,50
